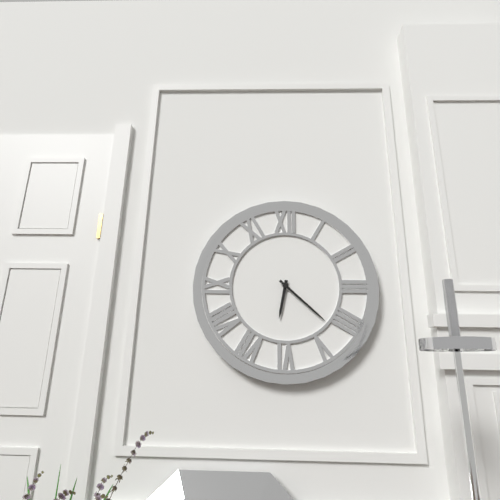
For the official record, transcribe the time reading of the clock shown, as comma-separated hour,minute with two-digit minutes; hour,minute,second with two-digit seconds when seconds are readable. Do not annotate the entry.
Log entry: 6,22
